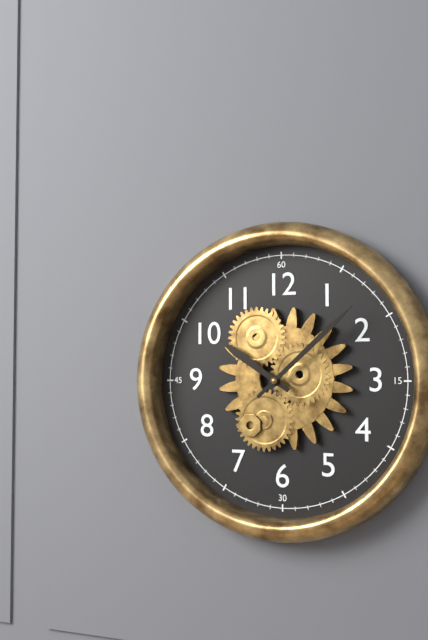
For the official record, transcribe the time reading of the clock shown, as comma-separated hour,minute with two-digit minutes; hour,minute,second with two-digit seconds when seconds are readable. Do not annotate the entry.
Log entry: 10,08
